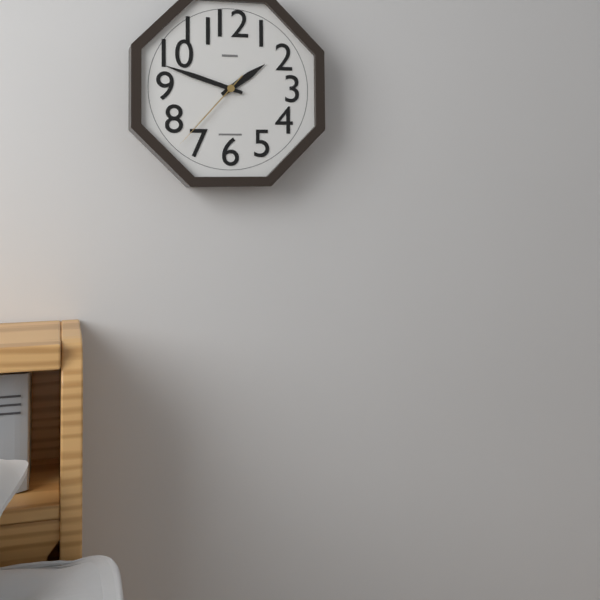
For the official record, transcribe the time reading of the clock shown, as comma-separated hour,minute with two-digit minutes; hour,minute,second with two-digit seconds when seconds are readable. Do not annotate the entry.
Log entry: 1,48,37
